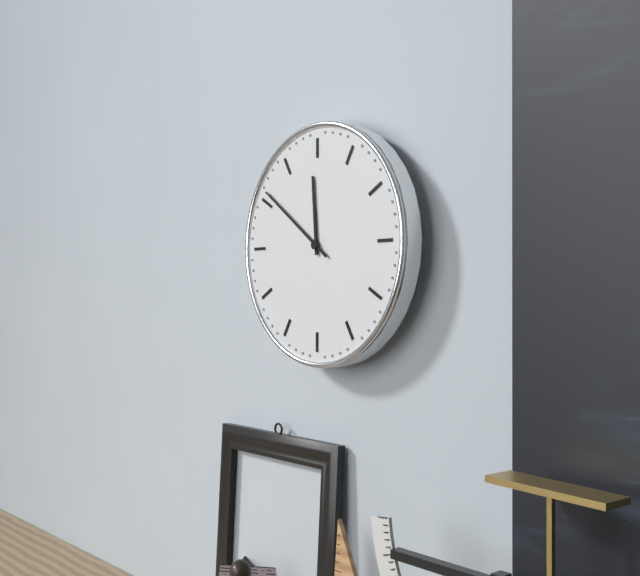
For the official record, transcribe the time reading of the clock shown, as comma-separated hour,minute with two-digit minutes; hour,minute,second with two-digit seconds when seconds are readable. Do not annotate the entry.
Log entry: 11,51
